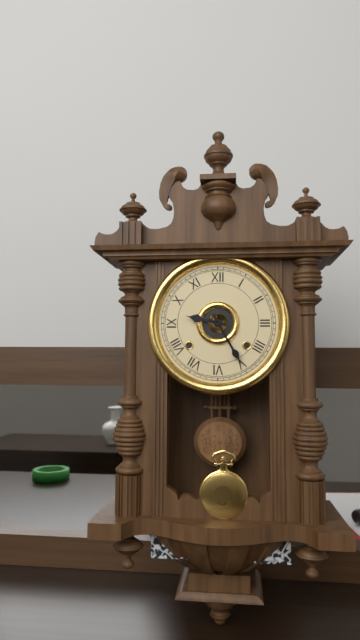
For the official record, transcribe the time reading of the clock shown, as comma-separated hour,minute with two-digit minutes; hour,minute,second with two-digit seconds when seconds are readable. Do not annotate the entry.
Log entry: 9,25
